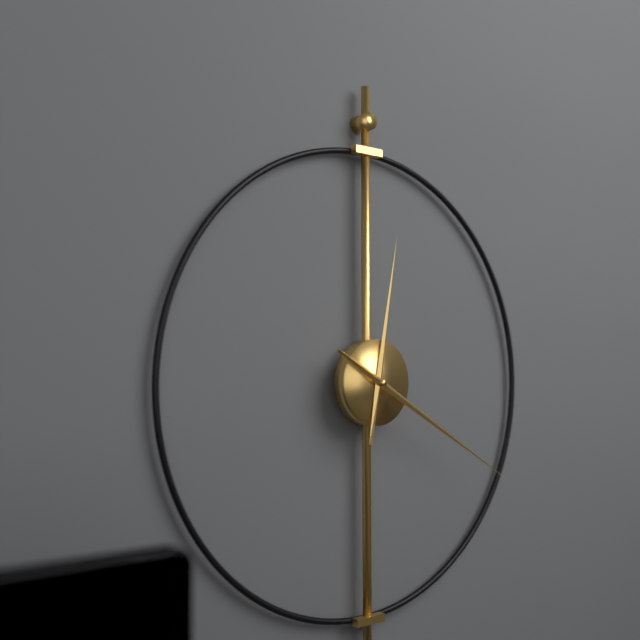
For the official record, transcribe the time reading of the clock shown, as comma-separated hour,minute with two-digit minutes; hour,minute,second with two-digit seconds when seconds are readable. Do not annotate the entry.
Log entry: 12,20
